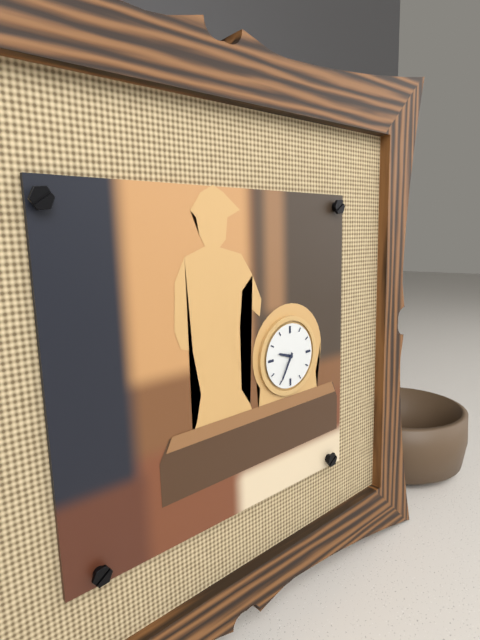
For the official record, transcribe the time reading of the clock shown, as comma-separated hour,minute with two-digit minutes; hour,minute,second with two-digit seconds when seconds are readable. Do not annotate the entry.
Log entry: 9,35
